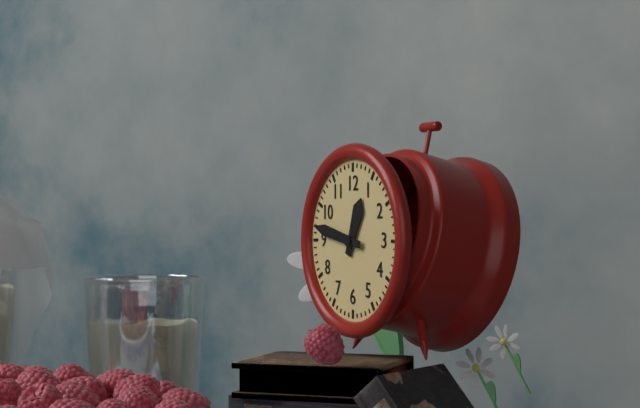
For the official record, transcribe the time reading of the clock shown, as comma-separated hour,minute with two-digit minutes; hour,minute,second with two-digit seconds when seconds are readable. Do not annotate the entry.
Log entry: 12,47
